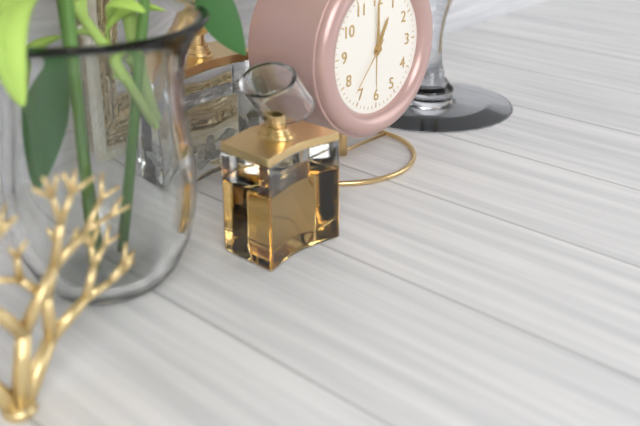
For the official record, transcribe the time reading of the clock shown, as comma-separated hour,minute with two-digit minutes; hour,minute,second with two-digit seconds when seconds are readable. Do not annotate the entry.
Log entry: 1,00,37
